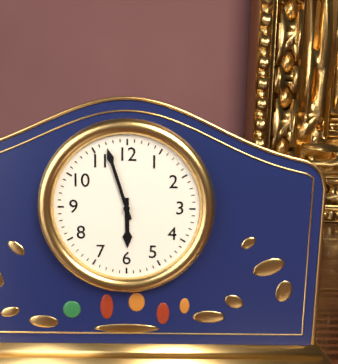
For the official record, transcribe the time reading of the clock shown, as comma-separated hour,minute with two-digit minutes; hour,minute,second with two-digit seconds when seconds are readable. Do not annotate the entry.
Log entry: 5,57
